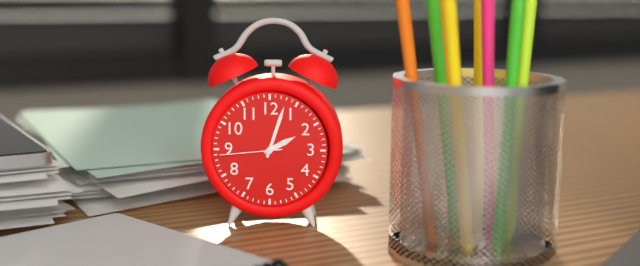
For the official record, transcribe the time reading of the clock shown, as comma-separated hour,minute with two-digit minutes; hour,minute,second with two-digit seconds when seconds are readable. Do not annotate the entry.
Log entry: 2,03,44
